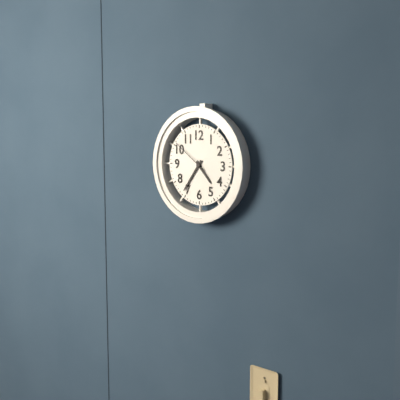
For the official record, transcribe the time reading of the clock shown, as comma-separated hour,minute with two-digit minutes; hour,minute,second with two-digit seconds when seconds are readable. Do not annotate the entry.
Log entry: 4,36
